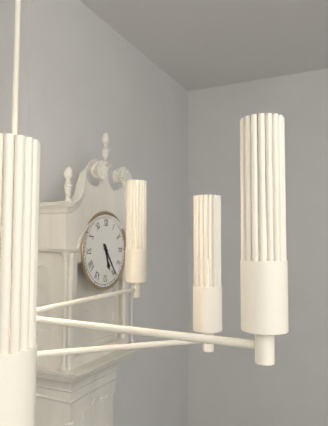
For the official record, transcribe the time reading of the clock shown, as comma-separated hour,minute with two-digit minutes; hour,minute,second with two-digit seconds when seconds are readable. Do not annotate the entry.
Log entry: 5,24
